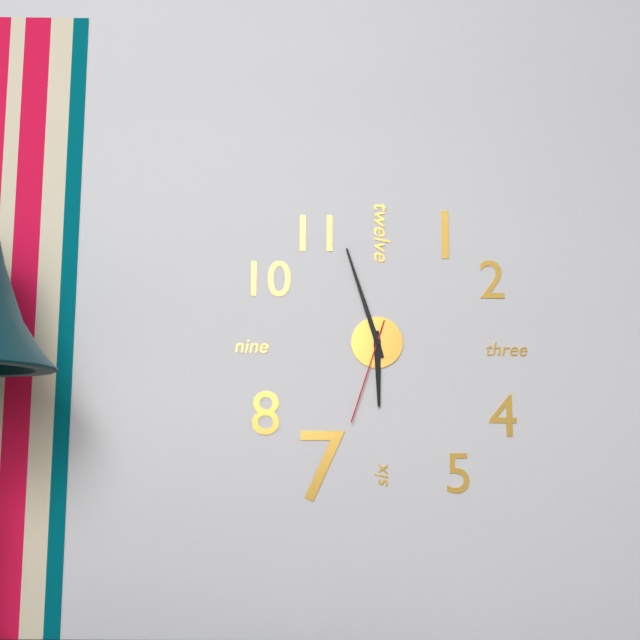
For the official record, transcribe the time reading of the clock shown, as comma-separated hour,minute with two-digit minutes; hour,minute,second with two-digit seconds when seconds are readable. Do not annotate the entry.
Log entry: 5,57,33
